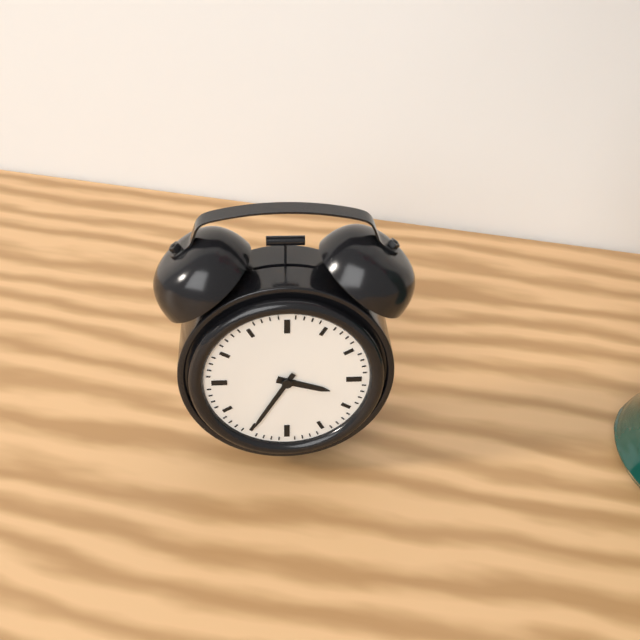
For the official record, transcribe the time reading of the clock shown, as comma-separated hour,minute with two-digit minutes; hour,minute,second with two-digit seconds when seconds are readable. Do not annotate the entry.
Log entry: 3,35
